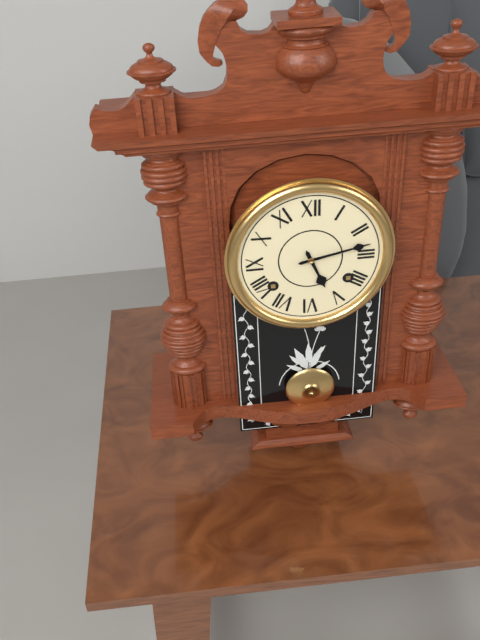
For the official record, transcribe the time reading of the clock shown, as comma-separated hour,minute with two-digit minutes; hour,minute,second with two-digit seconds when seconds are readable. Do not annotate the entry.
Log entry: 5,13
